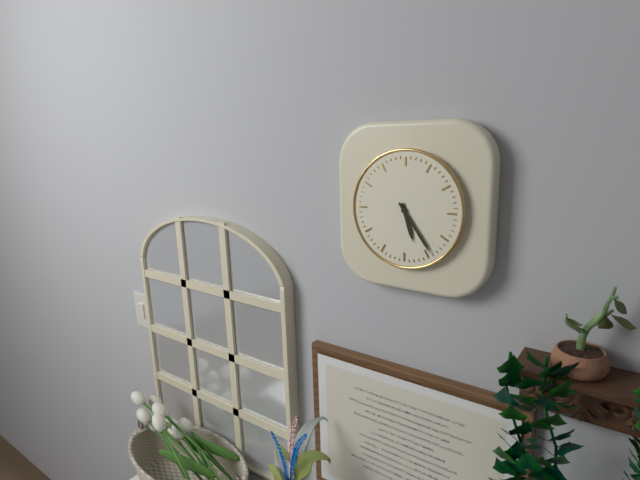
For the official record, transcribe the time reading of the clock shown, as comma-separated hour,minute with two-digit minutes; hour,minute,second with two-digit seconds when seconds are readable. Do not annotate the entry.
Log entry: 5,24
